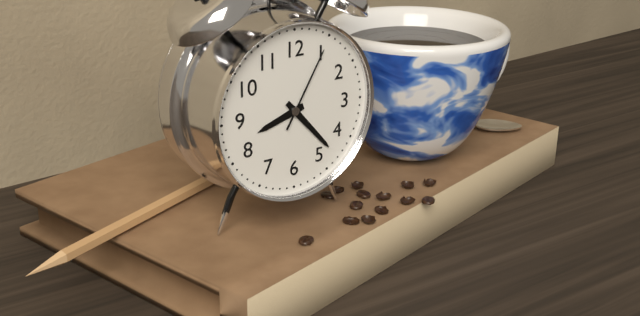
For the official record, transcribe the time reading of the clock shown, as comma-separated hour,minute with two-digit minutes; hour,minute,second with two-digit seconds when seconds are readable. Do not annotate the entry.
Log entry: 8,23,05
